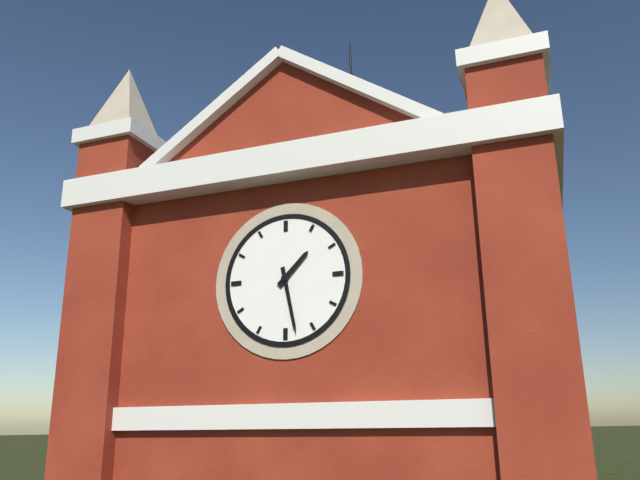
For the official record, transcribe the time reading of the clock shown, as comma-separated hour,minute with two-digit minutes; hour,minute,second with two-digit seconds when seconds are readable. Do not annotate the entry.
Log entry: 1,28
